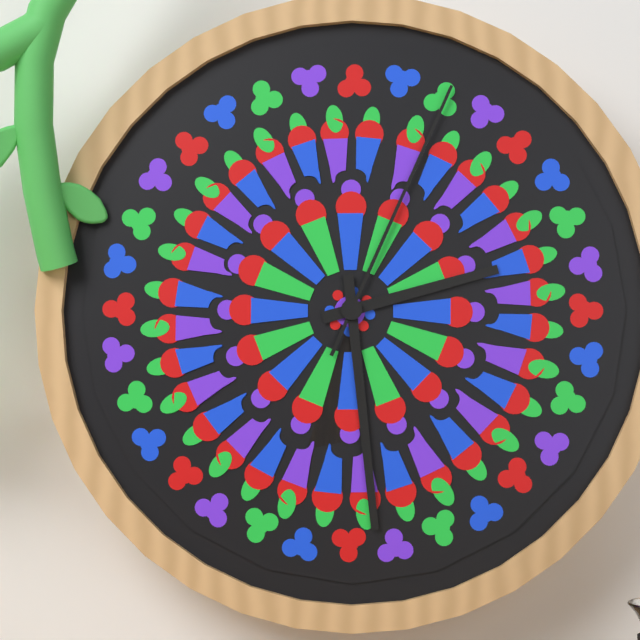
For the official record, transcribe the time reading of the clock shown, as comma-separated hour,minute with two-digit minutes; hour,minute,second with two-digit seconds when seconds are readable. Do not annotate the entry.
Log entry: 2,29,04
